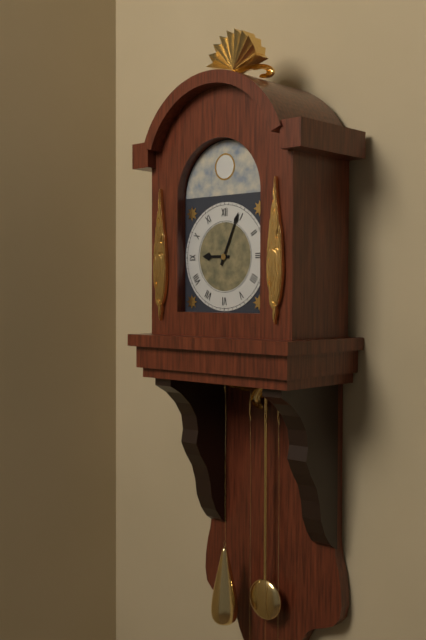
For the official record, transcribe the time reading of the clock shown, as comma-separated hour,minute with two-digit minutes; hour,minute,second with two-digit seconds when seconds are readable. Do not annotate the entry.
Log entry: 9,04
